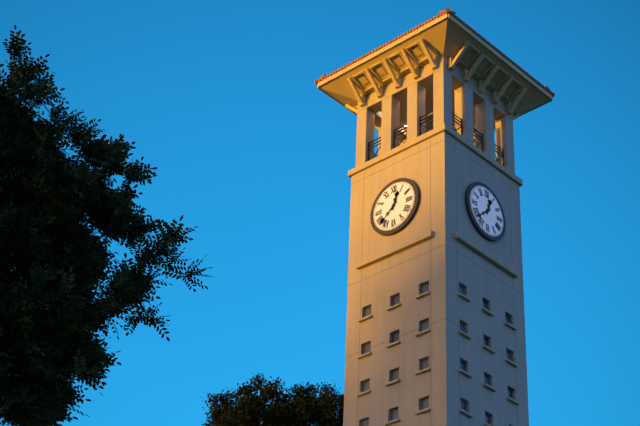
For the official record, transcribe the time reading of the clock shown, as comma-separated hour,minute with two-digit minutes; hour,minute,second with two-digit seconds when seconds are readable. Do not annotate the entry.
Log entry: 12,38
